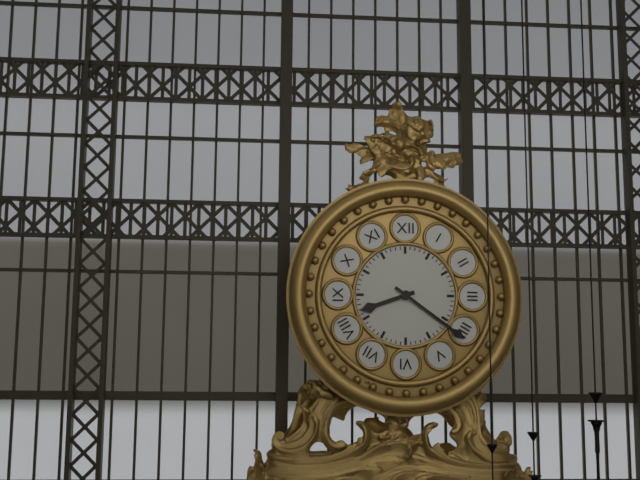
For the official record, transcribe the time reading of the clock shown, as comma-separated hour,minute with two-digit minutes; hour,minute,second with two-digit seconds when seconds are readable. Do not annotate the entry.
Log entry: 8,21
